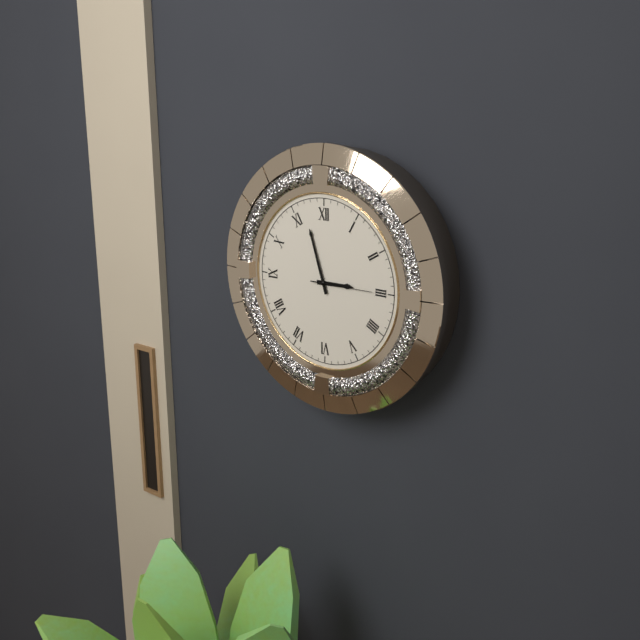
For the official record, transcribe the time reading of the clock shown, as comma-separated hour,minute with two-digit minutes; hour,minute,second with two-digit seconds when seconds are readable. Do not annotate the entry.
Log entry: 2,57
